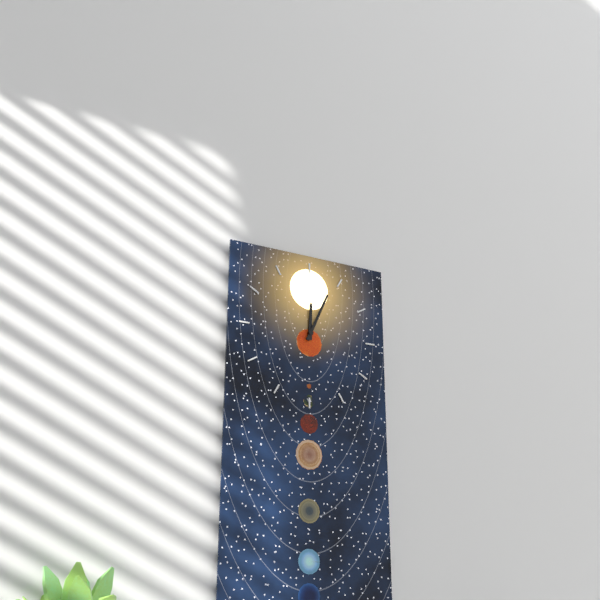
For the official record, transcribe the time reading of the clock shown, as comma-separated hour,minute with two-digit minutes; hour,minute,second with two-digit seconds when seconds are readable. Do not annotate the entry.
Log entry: 12,04
